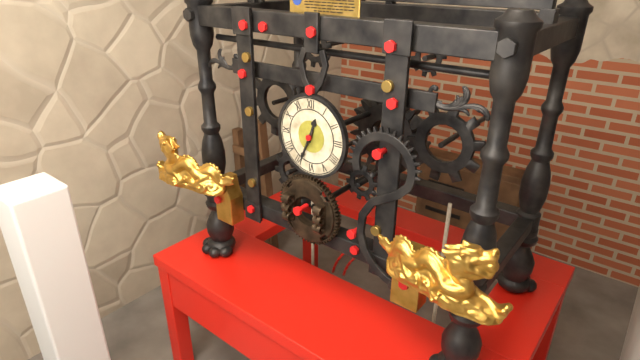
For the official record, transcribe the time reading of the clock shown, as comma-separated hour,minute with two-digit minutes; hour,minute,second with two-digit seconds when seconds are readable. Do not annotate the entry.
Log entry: 12,34
